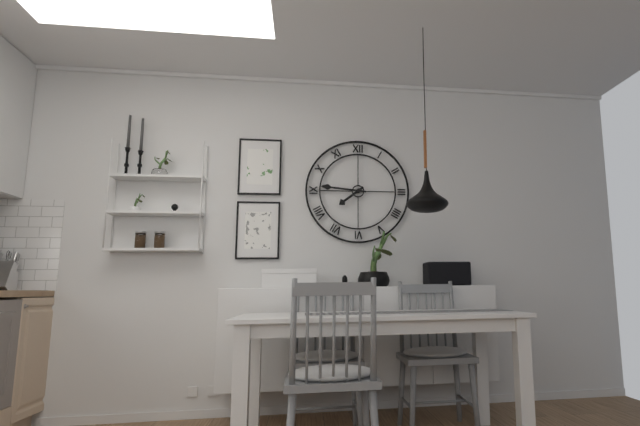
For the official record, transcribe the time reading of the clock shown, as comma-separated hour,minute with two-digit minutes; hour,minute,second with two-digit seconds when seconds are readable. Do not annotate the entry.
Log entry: 7,46
